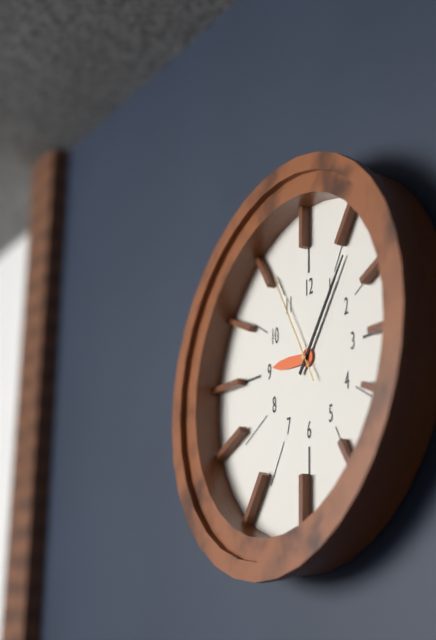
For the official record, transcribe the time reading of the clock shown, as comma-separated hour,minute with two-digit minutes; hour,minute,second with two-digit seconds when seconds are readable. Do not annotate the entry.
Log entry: 9,06,55
